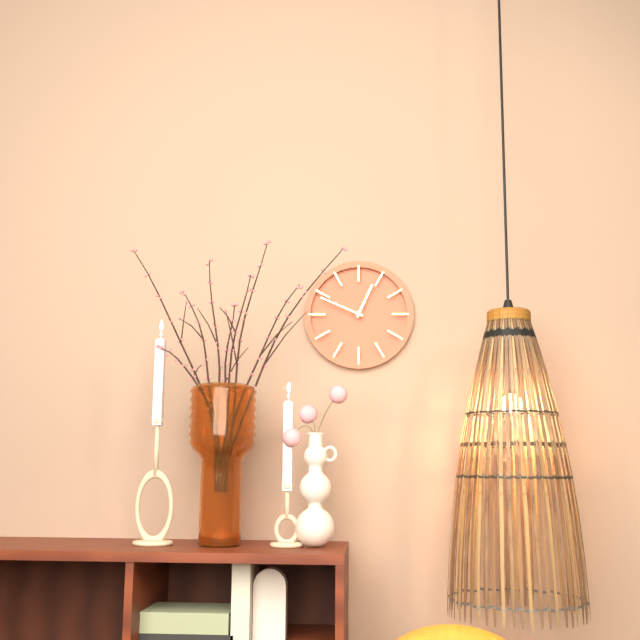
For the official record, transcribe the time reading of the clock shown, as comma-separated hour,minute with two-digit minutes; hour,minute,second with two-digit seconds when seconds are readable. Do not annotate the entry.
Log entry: 12,49
